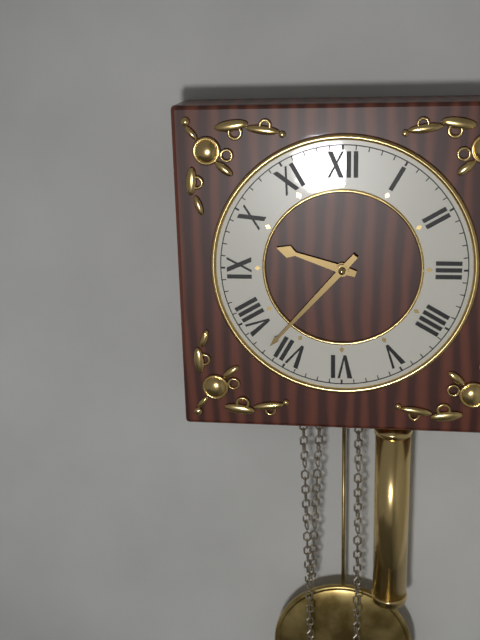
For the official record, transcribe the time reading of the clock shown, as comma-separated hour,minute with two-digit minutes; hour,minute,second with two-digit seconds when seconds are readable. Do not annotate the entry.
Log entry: 9,37
